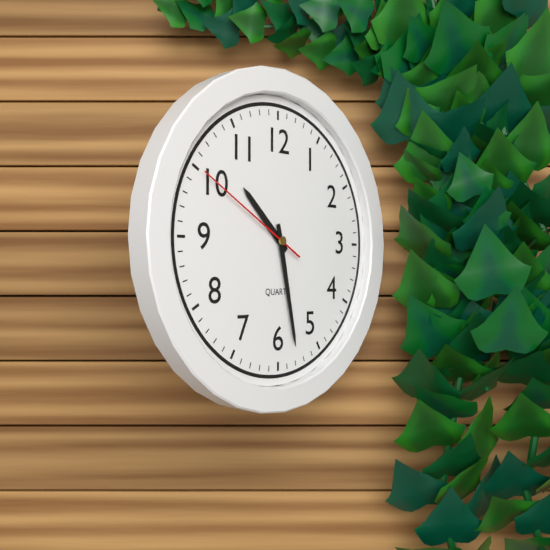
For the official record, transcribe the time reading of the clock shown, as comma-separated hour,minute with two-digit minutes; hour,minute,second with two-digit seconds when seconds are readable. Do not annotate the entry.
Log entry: 10,28,50
